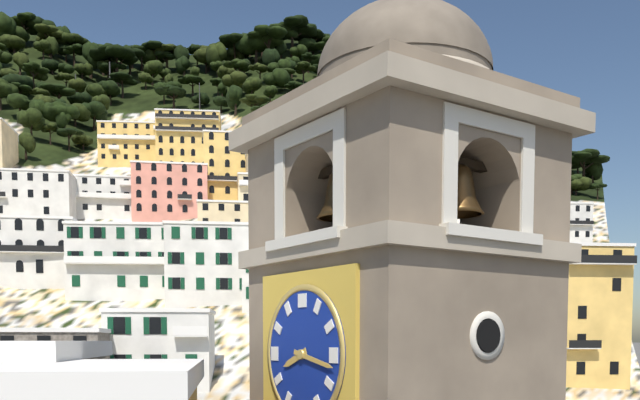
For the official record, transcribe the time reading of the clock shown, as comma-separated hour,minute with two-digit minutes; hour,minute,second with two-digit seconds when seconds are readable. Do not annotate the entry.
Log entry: 8,17
